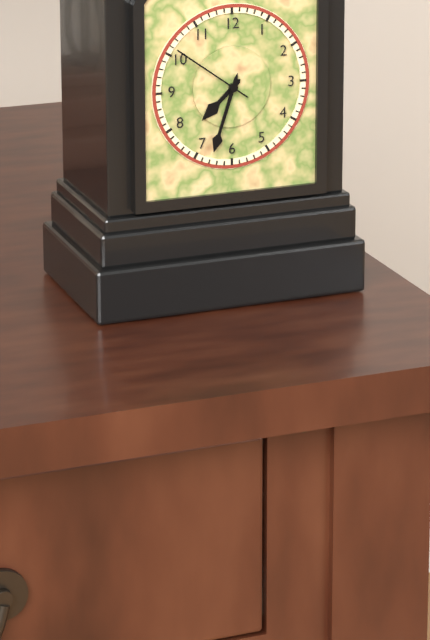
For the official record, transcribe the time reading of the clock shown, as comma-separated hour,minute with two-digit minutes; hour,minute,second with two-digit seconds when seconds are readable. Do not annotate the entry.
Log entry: 7,33,51
